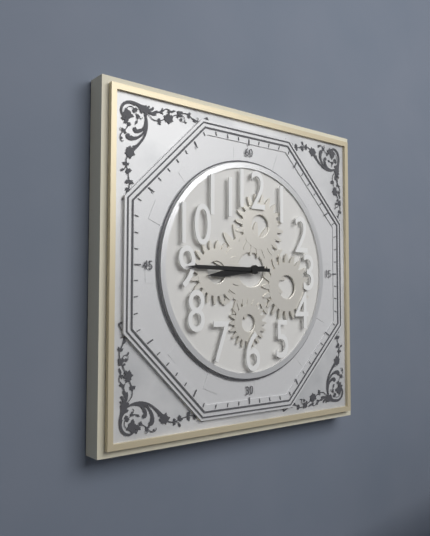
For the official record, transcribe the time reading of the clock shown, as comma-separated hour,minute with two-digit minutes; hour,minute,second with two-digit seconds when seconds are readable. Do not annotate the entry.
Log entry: 8,45
